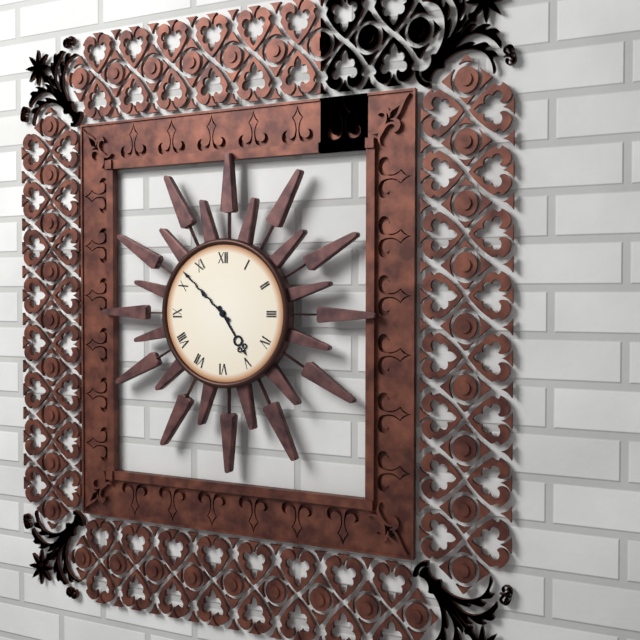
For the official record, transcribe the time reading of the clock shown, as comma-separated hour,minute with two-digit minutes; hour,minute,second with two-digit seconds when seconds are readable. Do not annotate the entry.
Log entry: 4,52
